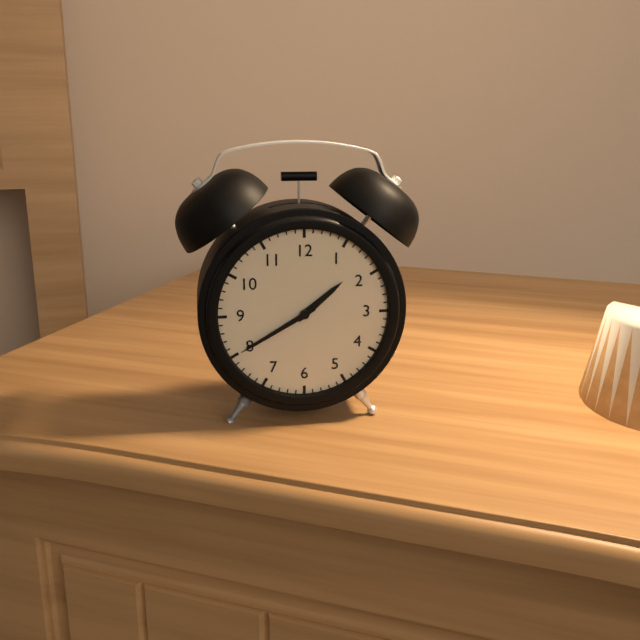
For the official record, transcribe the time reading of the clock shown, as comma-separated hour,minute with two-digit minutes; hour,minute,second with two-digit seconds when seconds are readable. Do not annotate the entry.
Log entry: 1,40
